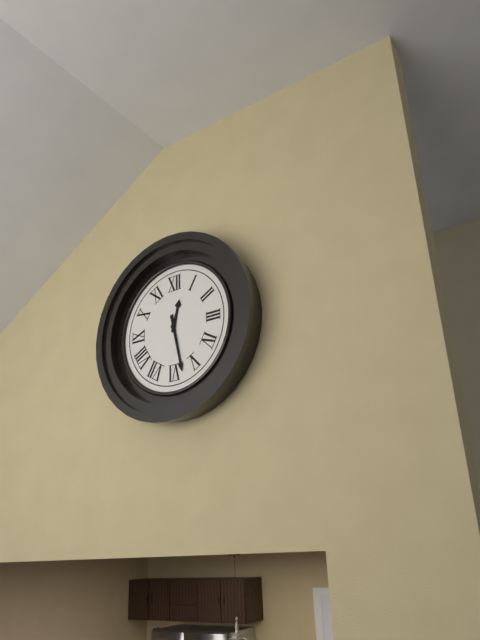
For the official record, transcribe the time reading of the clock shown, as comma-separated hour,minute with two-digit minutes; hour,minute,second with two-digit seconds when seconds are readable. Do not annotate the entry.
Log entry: 12,28
